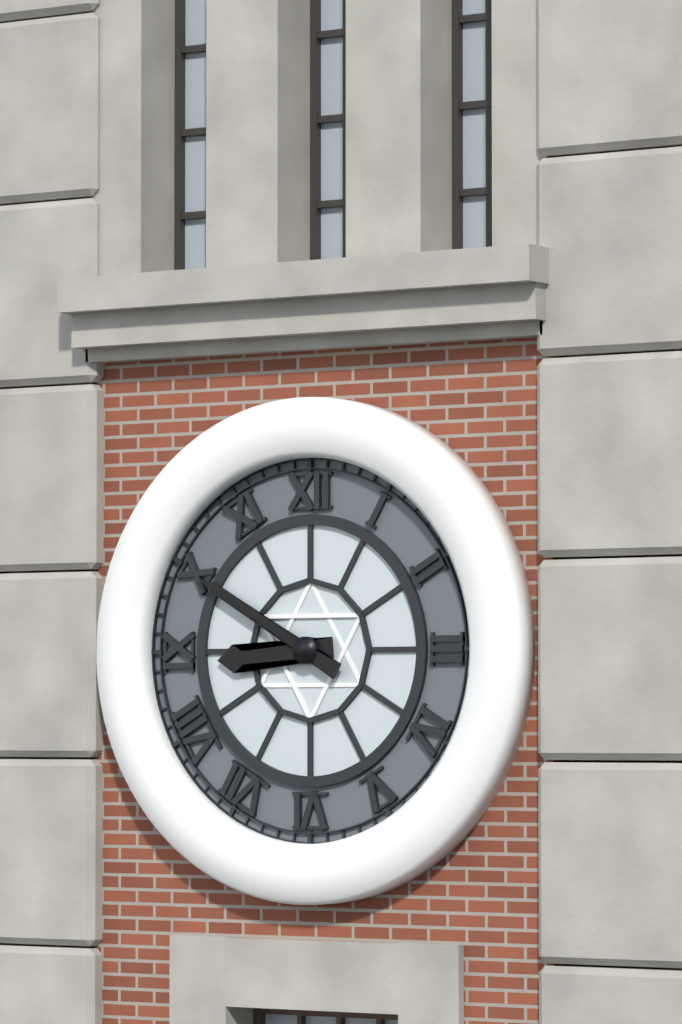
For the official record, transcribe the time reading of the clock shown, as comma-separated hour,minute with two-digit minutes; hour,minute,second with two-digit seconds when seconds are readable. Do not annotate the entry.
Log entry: 8,50
